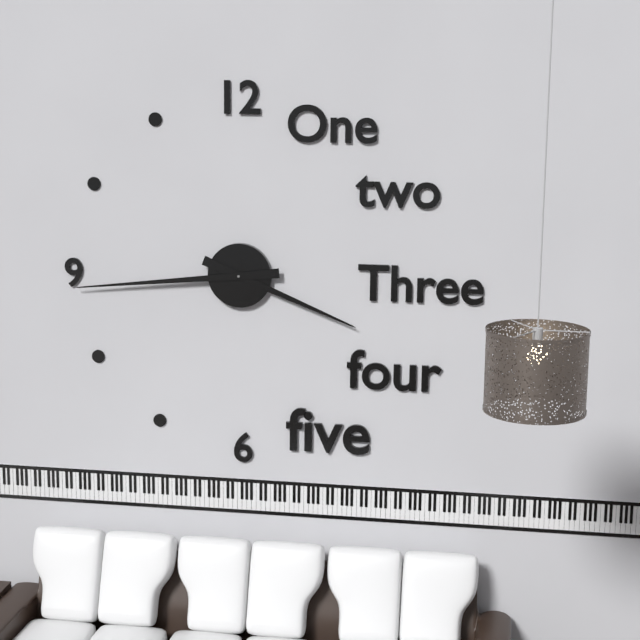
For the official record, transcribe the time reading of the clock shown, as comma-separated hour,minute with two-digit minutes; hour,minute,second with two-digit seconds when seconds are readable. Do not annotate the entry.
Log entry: 3,44
